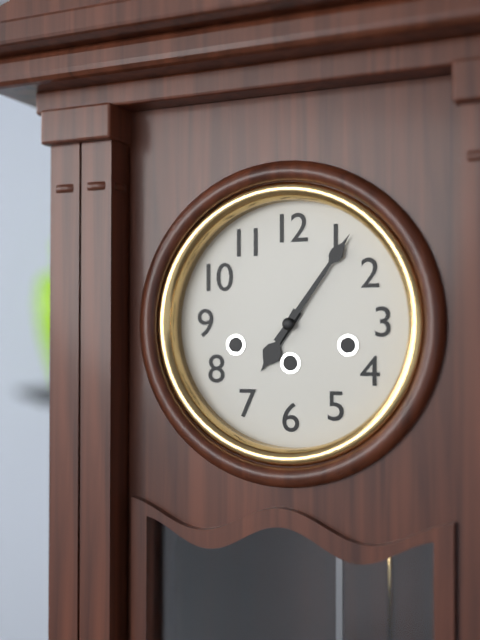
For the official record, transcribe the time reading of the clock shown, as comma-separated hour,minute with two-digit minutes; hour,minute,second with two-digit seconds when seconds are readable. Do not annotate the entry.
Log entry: 7,06
